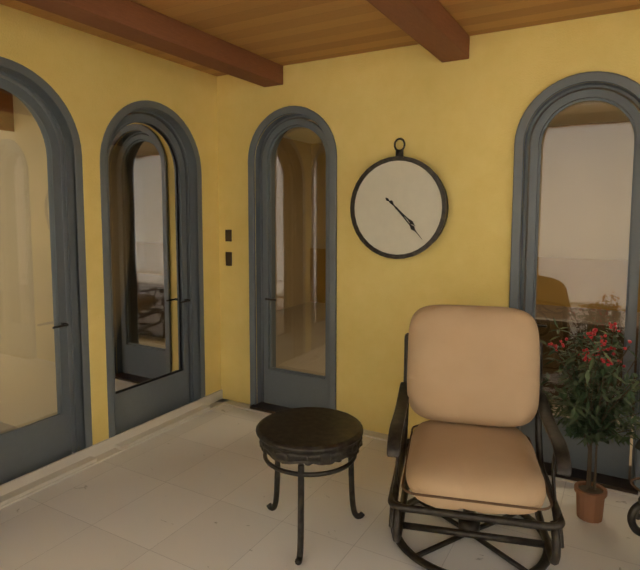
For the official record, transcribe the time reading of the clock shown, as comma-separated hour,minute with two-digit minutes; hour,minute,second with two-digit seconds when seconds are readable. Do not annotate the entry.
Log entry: 4,23
